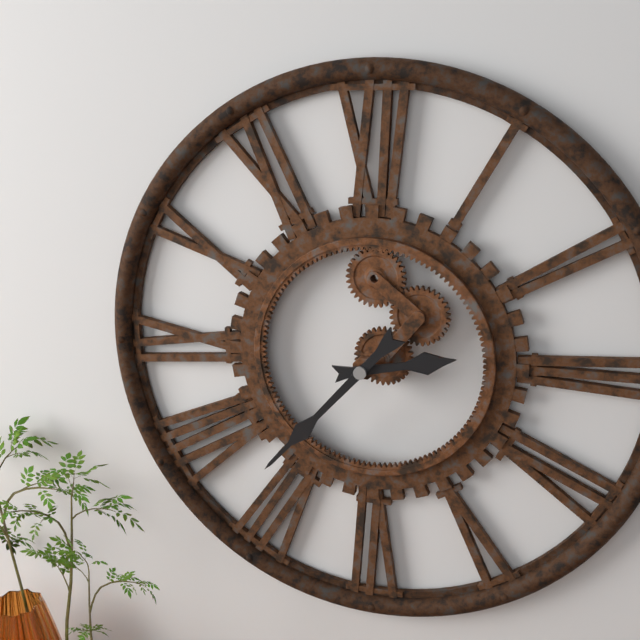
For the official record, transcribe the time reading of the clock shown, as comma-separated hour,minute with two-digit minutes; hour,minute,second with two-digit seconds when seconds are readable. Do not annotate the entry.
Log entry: 2,37
